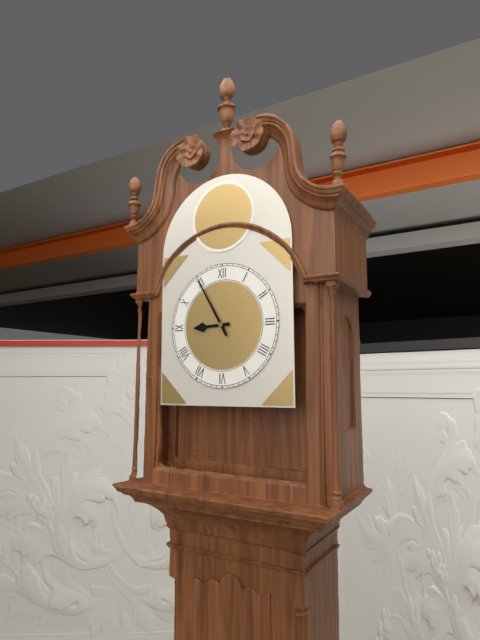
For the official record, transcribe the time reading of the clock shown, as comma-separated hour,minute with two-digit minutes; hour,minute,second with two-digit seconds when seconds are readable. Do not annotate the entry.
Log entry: 8,55
